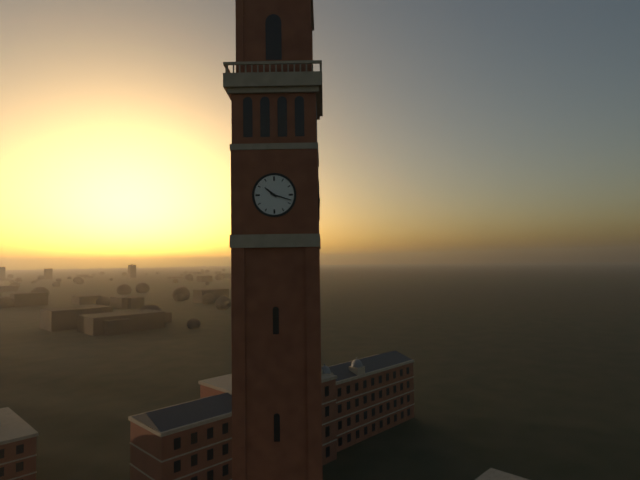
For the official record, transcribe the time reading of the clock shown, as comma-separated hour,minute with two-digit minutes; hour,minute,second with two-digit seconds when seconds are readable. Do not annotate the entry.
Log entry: 10,18
